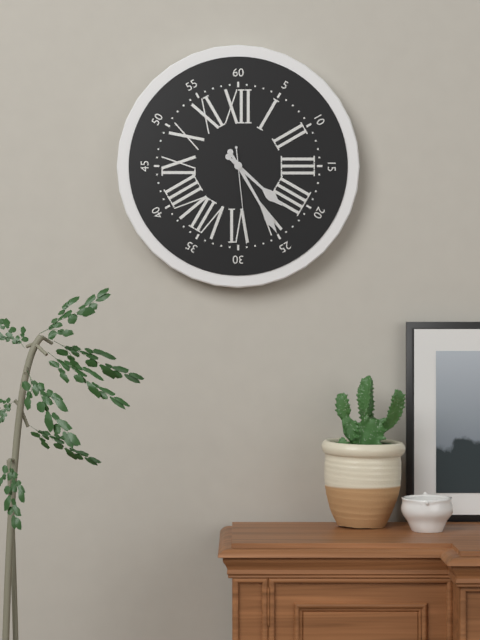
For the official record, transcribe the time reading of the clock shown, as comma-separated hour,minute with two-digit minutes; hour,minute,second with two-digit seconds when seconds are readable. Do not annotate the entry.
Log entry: 4,25,29
